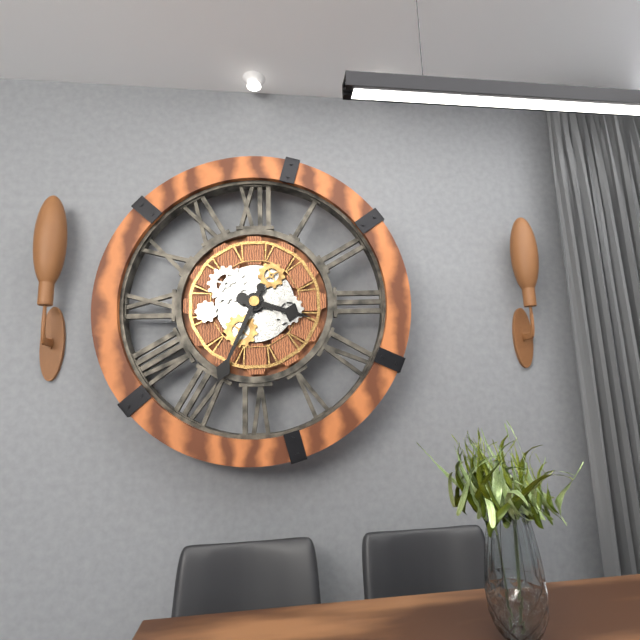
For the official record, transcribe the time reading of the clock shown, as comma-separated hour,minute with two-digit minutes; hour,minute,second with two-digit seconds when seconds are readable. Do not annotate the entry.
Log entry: 3,34
